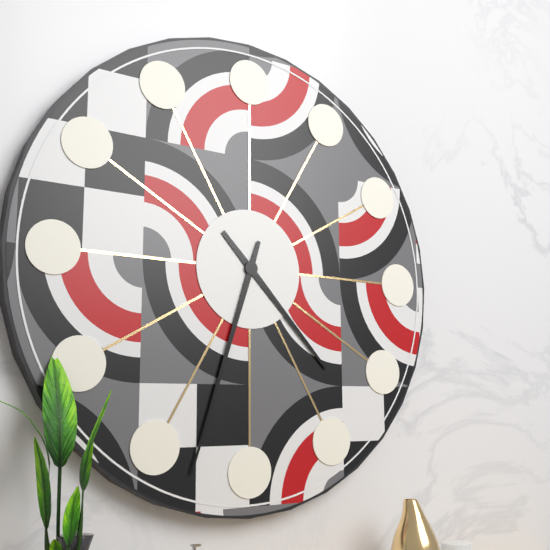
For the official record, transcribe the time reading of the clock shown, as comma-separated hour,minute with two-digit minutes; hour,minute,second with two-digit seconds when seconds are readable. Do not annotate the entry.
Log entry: 4,33
